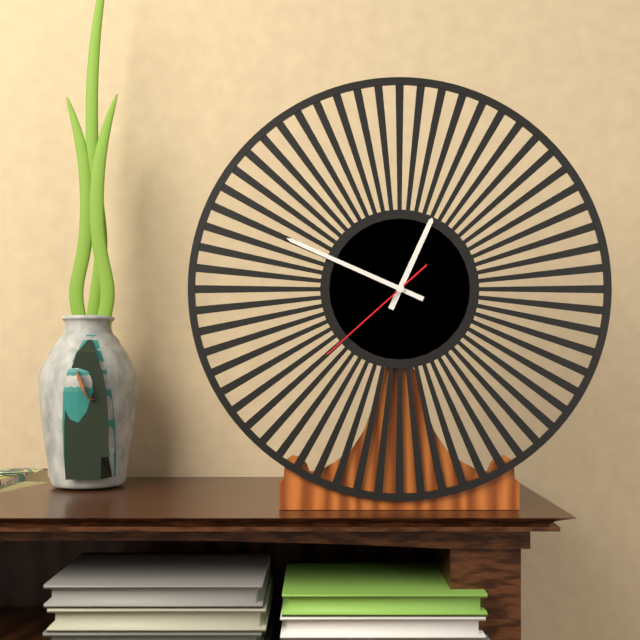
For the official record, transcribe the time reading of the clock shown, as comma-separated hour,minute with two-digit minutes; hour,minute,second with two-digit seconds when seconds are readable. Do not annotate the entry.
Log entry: 12,49,38
